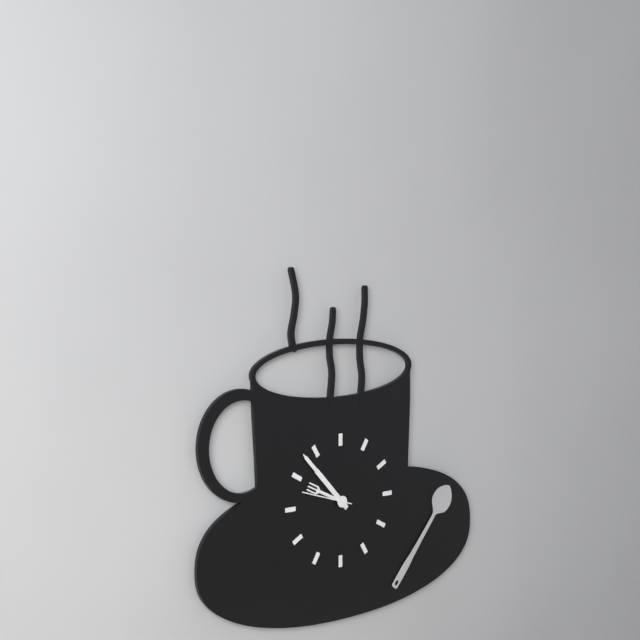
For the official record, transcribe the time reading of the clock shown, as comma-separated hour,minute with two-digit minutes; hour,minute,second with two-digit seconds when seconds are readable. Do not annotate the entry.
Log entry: 9,53
